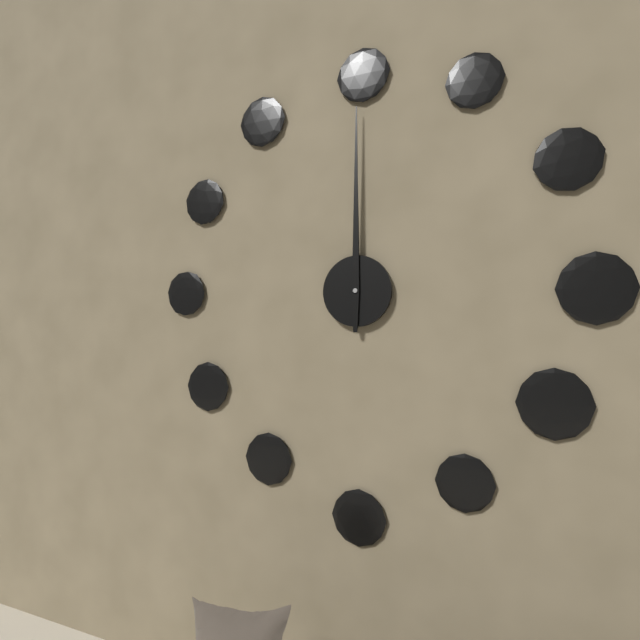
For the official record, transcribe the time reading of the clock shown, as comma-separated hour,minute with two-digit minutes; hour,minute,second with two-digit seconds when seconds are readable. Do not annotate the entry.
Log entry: 12,00
